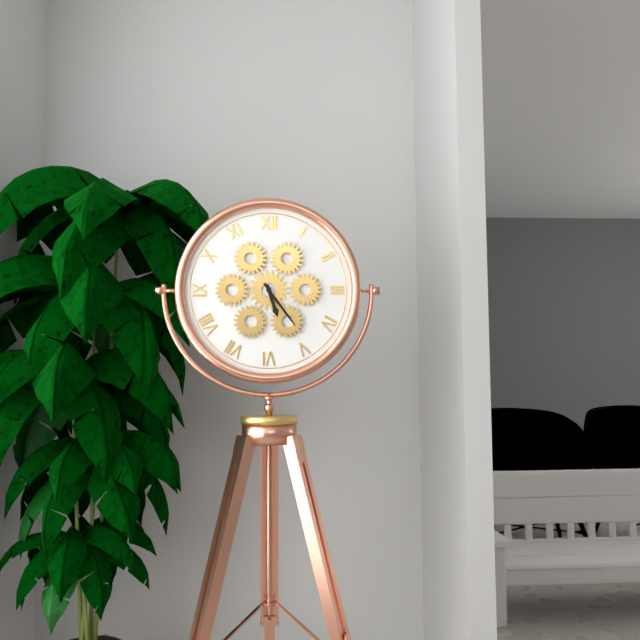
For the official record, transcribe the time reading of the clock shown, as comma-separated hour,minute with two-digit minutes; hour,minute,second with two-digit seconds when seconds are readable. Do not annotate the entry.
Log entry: 5,24
